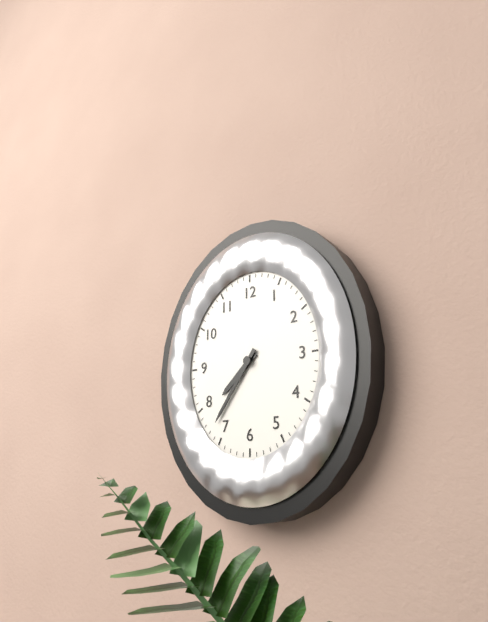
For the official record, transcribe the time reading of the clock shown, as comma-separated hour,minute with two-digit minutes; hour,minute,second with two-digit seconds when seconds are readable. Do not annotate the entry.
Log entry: 7,36
